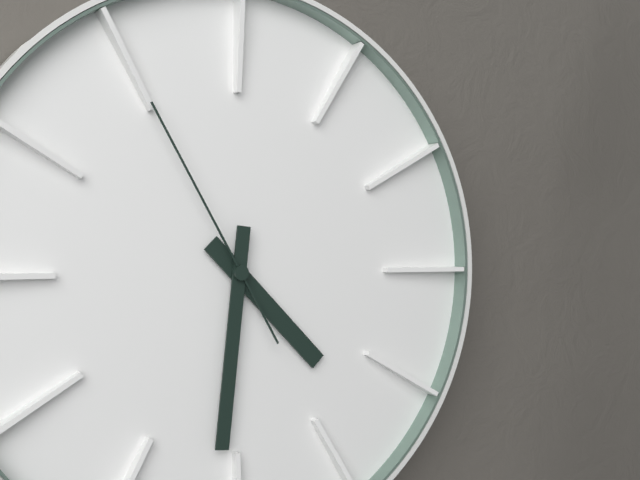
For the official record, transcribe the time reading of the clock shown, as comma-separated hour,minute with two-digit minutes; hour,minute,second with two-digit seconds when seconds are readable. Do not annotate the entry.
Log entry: 4,31,55
